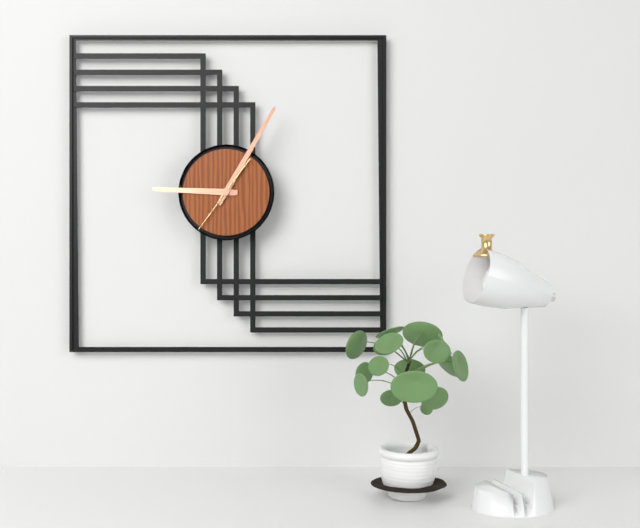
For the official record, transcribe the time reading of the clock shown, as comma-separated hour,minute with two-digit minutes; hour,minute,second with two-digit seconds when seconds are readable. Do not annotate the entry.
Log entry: 9,05,36
